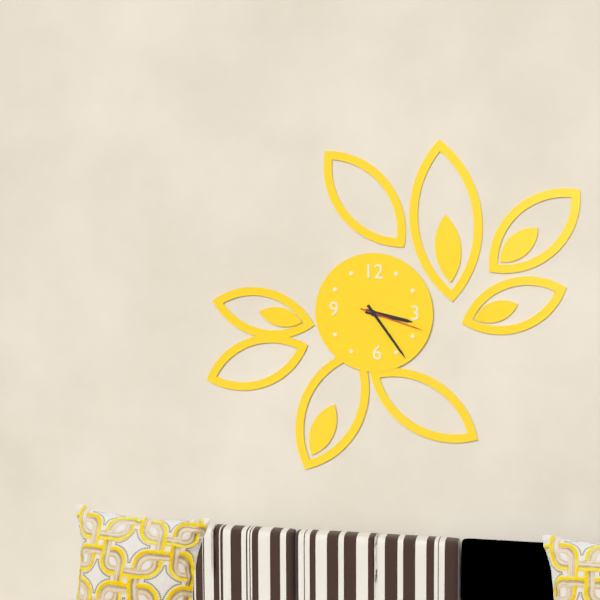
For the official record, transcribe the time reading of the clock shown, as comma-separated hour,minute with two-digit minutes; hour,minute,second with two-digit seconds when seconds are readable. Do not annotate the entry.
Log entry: 3,24,18
